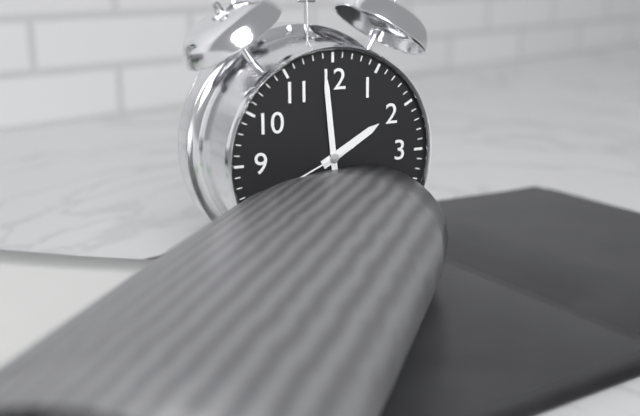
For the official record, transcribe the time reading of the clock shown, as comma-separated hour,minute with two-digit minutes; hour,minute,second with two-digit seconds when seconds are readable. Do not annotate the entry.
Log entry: 1,59
